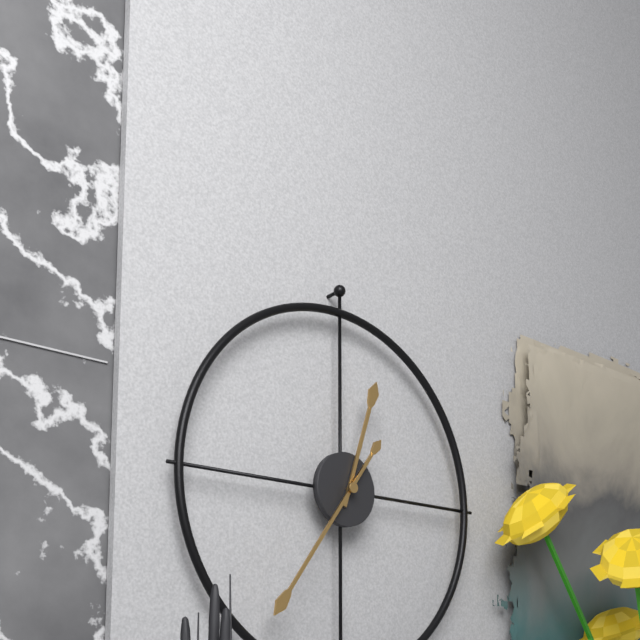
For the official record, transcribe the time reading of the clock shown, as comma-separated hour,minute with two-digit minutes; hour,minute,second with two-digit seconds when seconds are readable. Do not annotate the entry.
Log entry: 12,36
